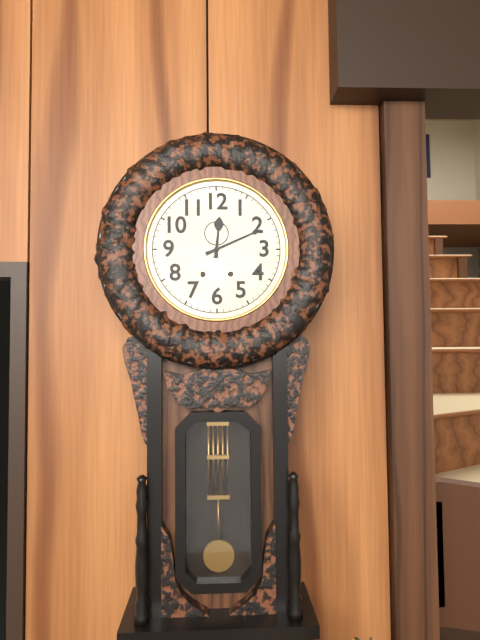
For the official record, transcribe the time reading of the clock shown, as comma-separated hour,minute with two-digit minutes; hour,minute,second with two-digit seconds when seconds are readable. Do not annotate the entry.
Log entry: 12,11
